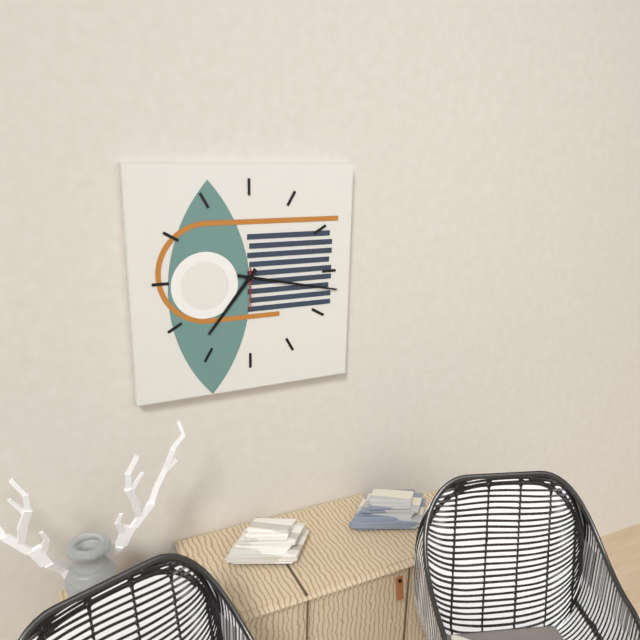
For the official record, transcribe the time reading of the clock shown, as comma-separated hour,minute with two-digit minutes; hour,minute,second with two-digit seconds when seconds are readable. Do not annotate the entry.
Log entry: 7,17
